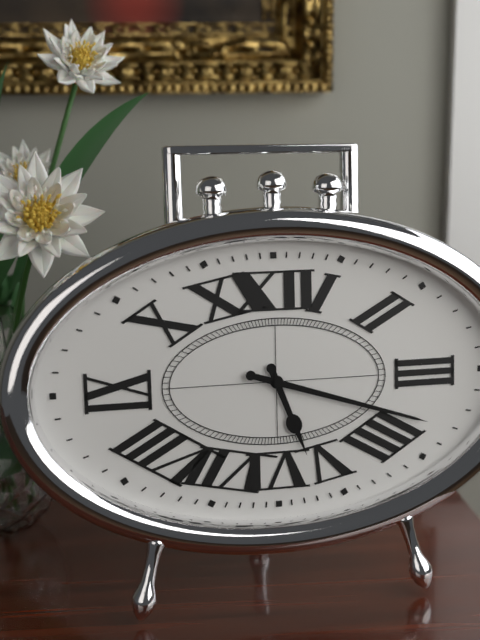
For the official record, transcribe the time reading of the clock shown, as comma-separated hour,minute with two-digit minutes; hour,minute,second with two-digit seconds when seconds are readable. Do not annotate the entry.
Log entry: 5,18
